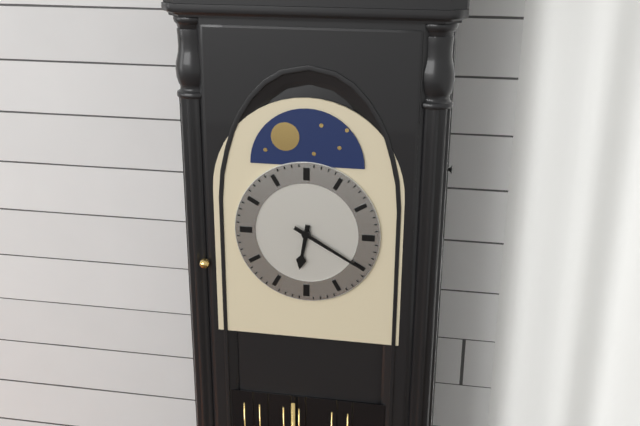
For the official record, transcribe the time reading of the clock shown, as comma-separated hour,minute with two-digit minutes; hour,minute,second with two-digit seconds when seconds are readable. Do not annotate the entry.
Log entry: 6,20
